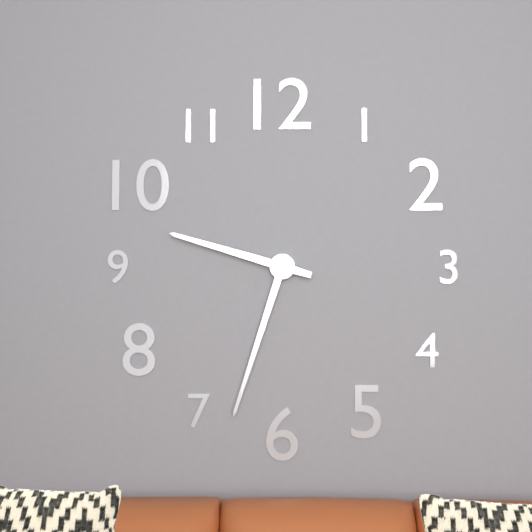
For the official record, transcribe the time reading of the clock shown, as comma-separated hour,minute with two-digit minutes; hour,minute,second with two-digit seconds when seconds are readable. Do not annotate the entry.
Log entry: 9,33
